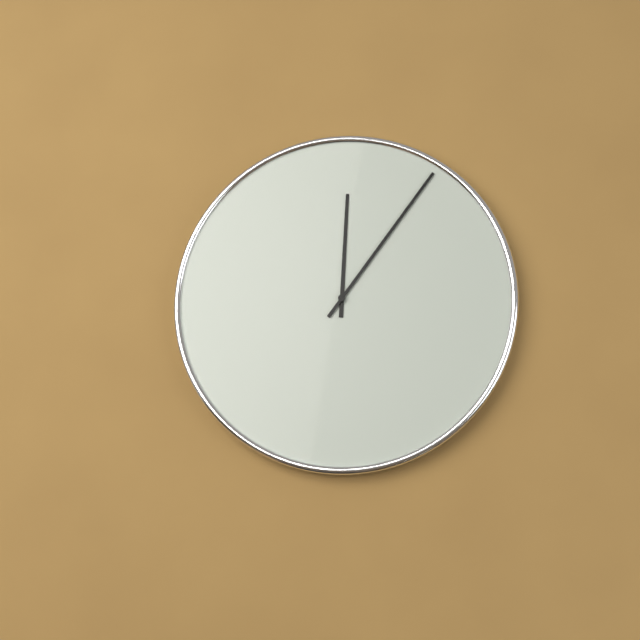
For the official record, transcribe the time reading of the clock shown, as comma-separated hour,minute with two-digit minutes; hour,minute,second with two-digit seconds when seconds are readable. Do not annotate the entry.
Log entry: 12,06
